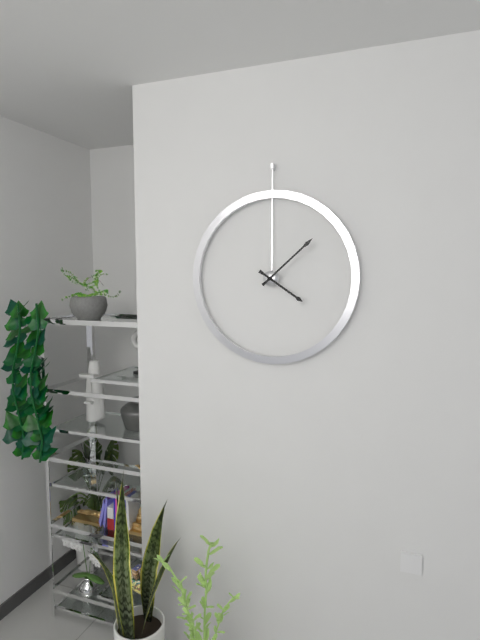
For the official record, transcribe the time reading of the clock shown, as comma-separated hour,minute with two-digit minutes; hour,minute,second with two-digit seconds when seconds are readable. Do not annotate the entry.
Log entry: 4,08
